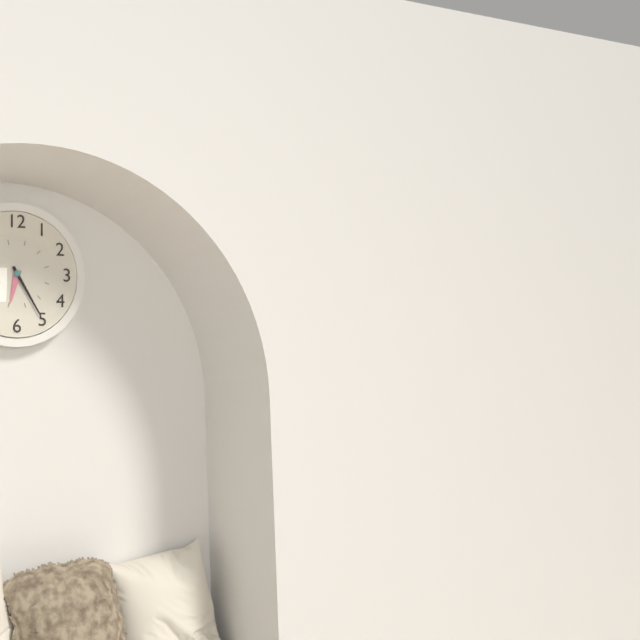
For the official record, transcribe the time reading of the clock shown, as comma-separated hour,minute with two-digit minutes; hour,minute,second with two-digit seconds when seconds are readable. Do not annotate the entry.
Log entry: 6,25
